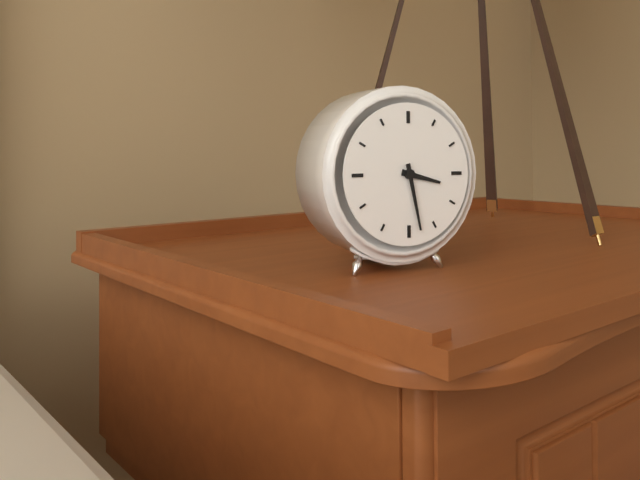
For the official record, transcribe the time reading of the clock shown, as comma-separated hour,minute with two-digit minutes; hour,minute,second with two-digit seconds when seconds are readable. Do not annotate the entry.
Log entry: 3,28
